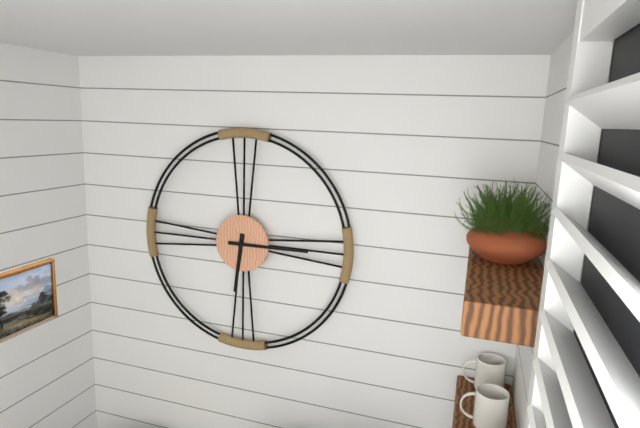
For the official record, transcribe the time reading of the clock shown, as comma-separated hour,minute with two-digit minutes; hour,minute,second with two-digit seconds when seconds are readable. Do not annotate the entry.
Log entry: 6,15
